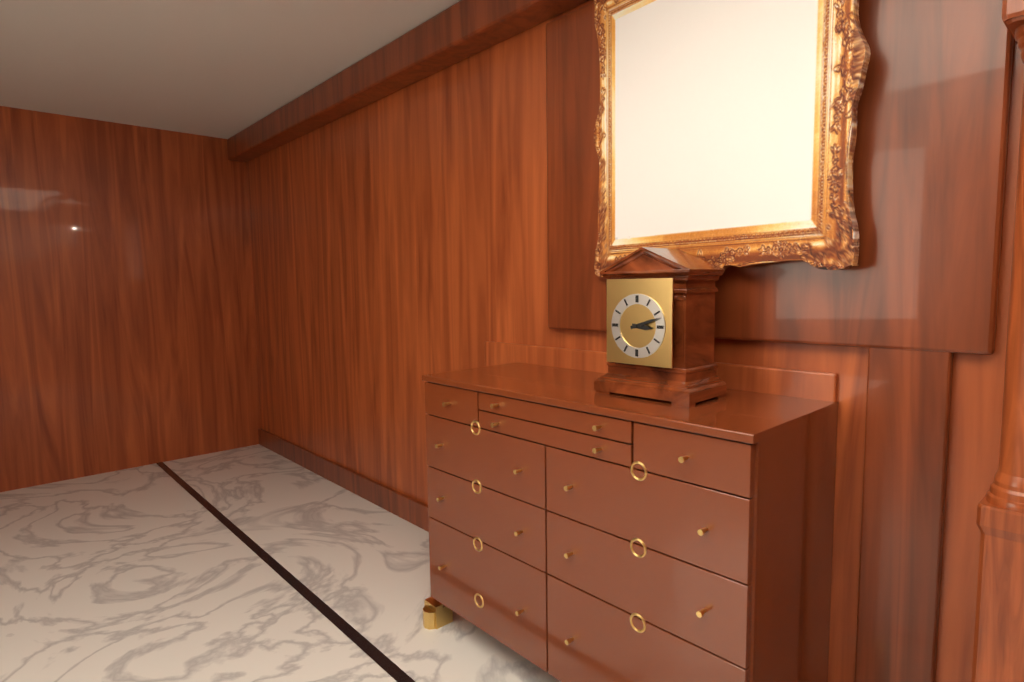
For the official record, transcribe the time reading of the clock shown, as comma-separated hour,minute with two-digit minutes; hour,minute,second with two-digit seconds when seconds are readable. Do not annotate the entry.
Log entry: 3,12
